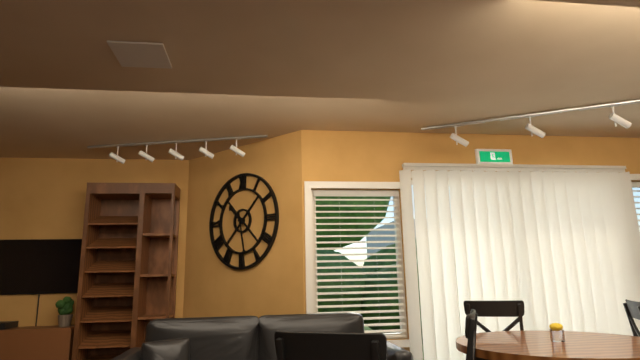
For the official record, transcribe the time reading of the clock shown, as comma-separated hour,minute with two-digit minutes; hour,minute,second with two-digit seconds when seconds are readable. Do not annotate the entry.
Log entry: 10,28
